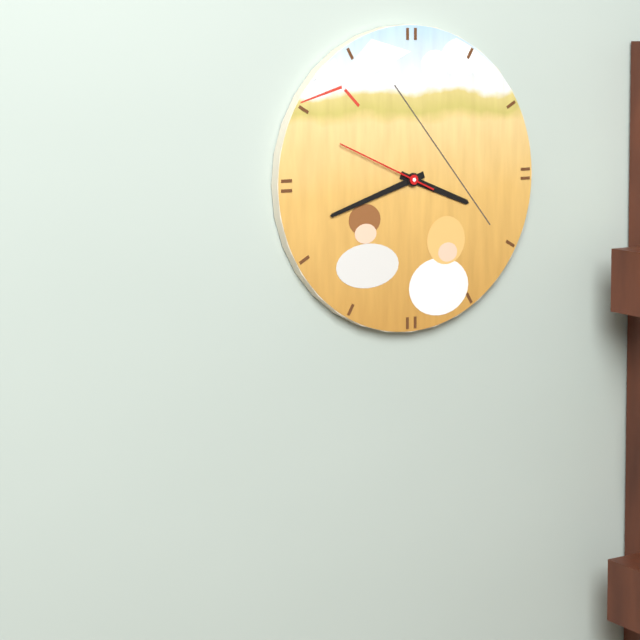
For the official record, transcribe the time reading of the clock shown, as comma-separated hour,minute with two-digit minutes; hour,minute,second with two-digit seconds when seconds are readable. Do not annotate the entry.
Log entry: 3,42,49
